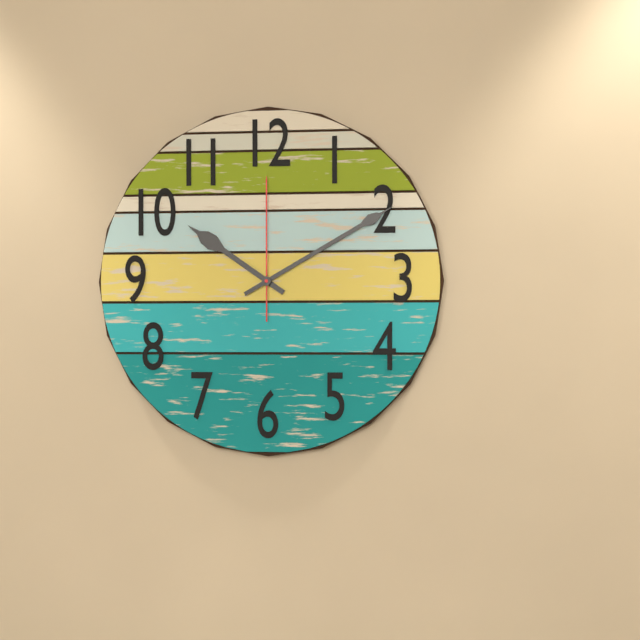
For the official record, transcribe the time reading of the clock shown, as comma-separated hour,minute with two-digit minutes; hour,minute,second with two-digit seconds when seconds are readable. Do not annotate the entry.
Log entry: 10,10,00
